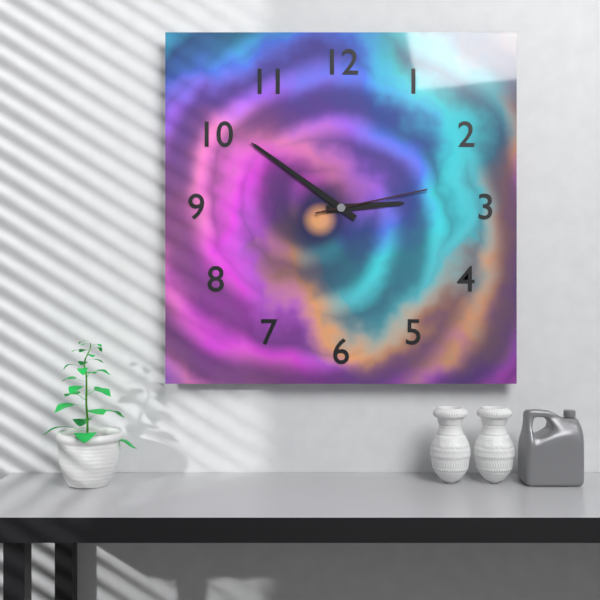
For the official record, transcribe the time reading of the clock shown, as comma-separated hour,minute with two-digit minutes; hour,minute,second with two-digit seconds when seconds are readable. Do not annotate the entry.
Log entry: 2,51,13
